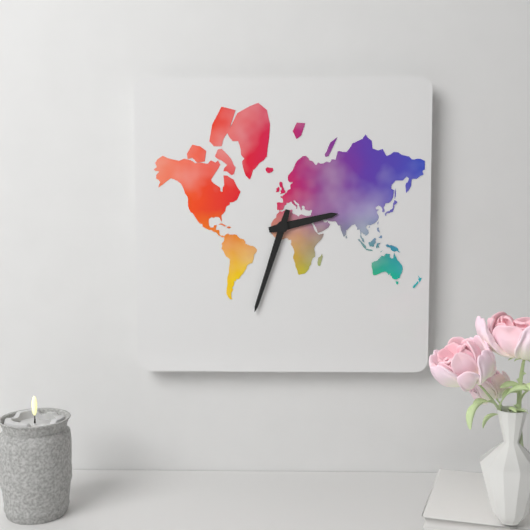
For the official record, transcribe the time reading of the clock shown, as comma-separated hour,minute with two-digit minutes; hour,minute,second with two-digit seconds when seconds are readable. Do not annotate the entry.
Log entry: 2,33
